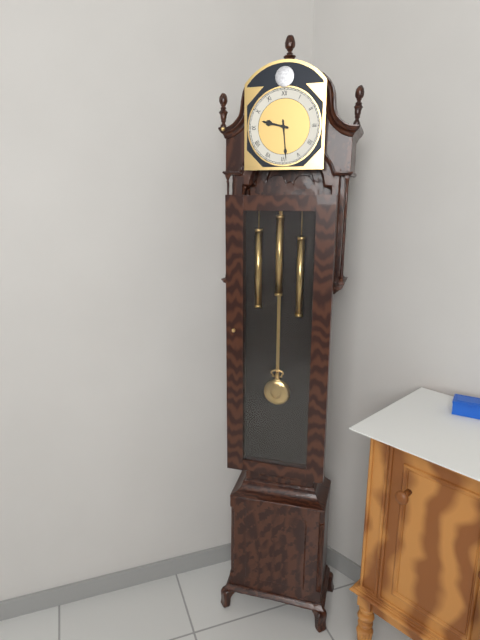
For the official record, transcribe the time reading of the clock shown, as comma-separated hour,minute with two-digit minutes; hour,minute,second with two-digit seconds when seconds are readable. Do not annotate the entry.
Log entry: 9,29
